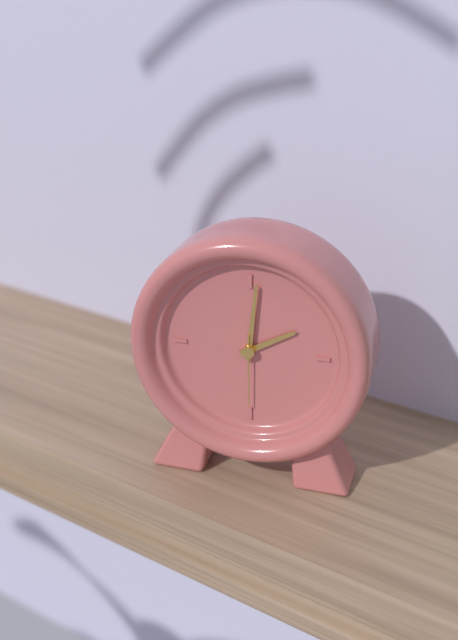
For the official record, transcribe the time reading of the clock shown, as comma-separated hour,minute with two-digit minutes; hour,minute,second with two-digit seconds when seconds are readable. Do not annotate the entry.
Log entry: 2,01,30
